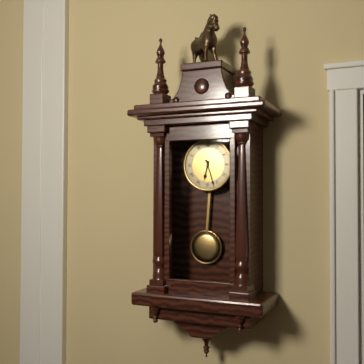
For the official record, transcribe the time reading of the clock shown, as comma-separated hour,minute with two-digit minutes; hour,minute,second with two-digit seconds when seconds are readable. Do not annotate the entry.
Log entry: 6,27
